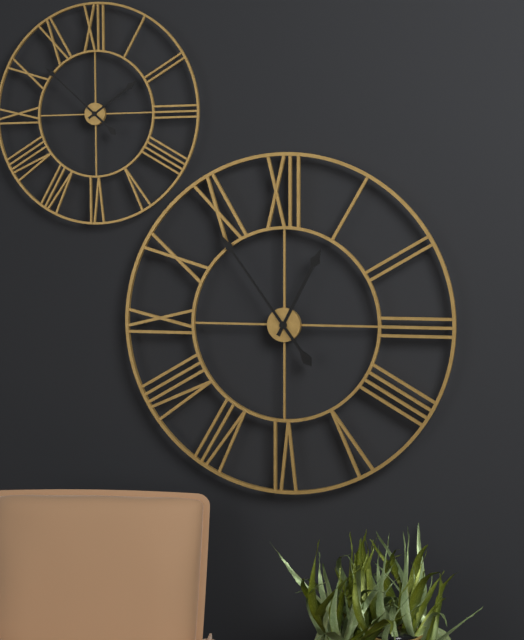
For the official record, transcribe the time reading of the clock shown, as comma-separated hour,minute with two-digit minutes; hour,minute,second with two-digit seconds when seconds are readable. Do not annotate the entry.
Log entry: 12,54
